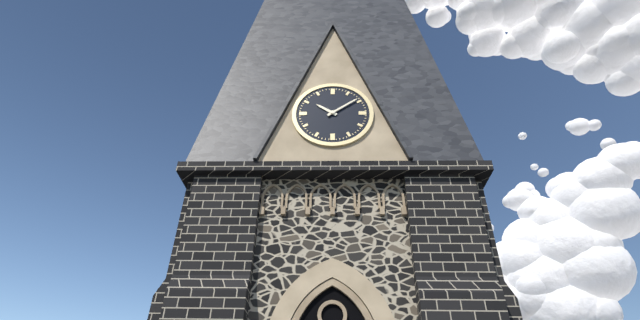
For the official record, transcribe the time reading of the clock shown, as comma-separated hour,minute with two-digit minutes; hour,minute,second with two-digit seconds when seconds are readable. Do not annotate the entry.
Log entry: 10,09
